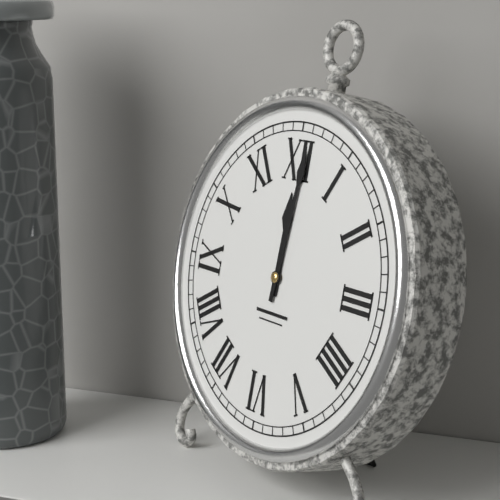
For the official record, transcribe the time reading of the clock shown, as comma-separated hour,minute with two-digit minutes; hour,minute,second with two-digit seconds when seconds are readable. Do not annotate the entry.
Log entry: 12,01
